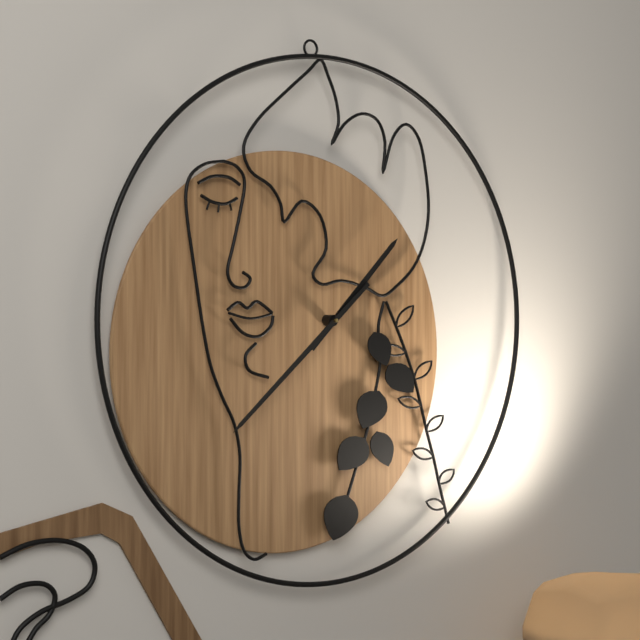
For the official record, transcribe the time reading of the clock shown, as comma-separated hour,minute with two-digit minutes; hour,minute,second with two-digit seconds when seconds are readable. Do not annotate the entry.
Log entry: 1,39
